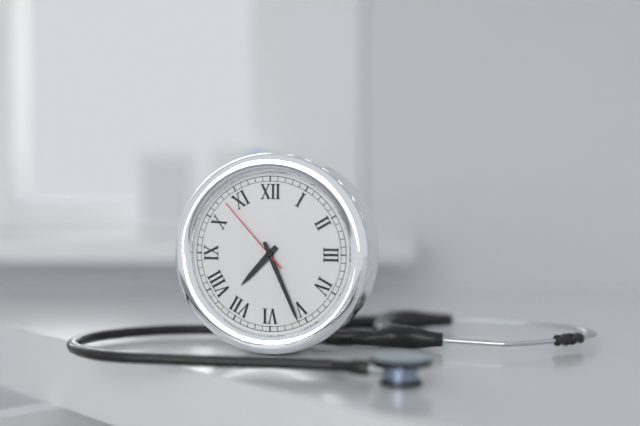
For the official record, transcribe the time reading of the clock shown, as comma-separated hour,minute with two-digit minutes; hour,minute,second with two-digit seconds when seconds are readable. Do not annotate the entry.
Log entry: 7,26,53
